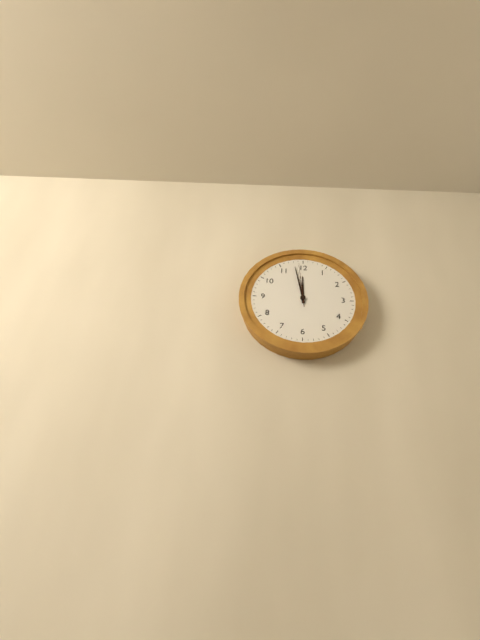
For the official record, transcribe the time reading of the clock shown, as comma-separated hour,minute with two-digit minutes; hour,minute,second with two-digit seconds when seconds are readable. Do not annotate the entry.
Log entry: 11,58
